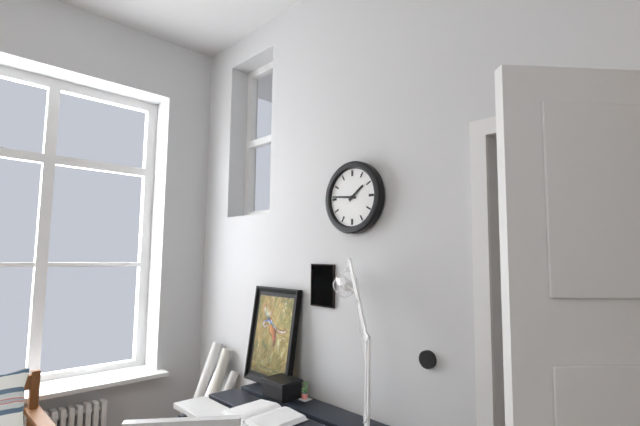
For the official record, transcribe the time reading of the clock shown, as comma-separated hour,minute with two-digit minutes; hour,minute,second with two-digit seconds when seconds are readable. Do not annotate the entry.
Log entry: 1,46
